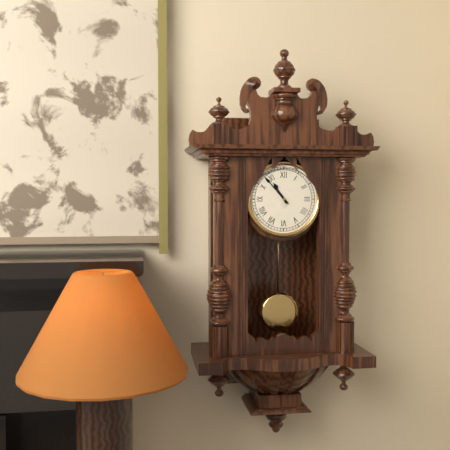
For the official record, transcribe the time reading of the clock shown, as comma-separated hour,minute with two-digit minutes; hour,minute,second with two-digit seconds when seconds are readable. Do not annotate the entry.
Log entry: 10,53
